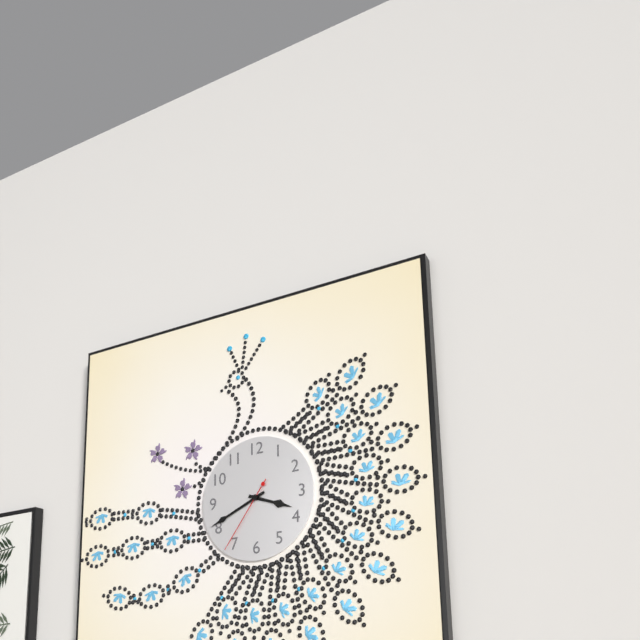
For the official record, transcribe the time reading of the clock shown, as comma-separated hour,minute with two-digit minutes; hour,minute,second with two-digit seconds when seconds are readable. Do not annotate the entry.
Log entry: 3,41,36
